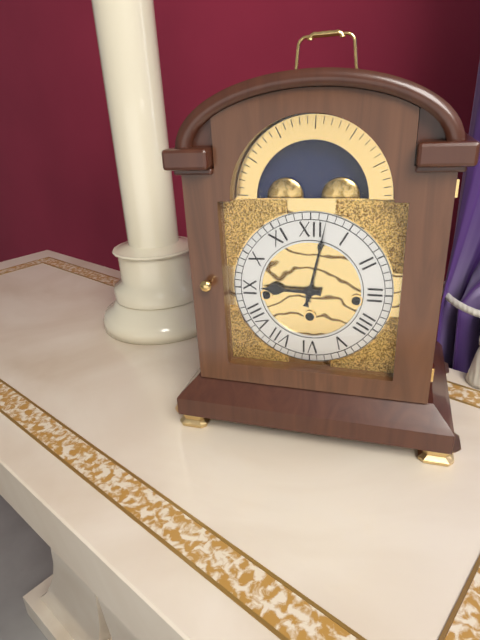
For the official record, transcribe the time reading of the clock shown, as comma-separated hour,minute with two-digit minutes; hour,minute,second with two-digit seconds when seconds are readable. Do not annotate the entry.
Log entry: 9,02
